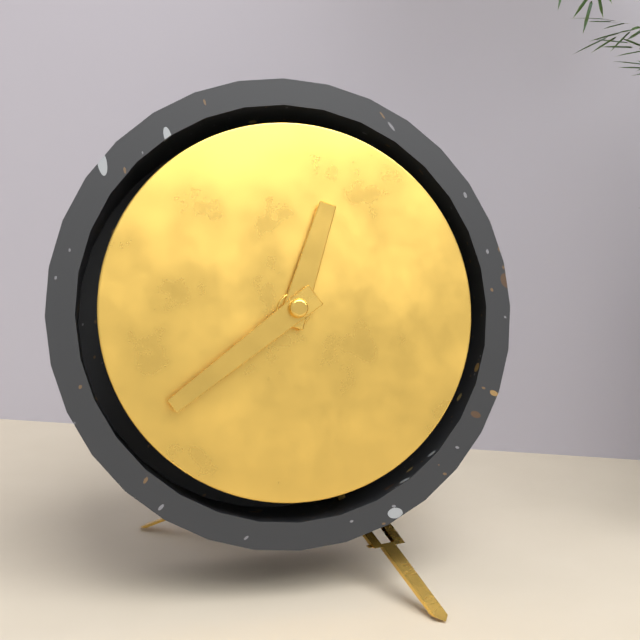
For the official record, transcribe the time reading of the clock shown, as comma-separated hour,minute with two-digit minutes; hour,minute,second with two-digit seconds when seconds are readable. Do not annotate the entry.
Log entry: 12,39
